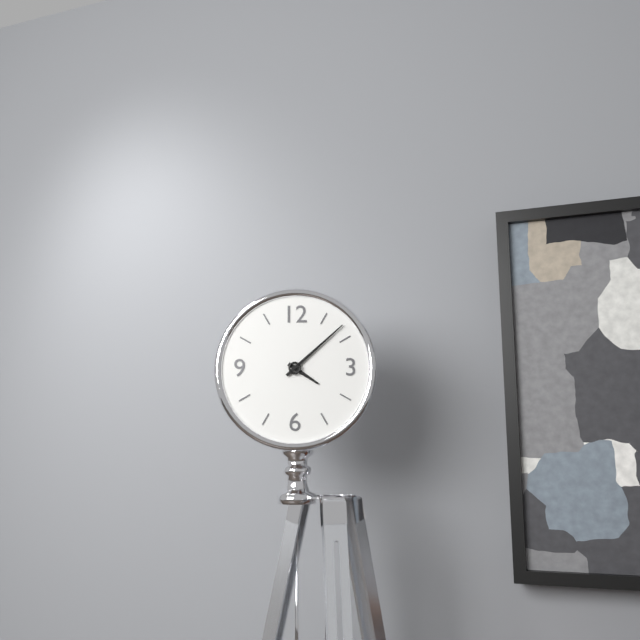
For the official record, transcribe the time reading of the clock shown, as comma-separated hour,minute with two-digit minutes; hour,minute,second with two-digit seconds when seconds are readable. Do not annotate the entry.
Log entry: 4,08
